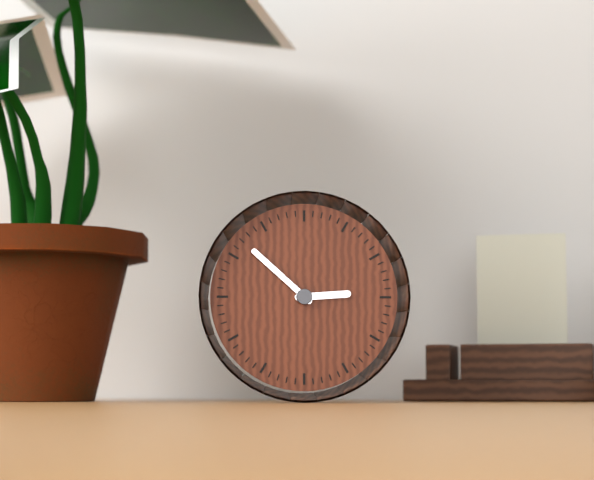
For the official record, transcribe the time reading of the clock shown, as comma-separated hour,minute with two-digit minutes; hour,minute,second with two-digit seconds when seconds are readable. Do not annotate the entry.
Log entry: 2,52
